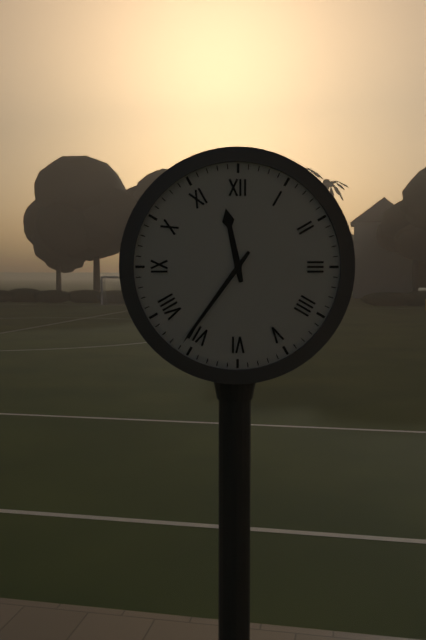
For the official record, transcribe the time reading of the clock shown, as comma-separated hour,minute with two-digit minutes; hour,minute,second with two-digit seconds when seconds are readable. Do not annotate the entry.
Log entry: 11,36
